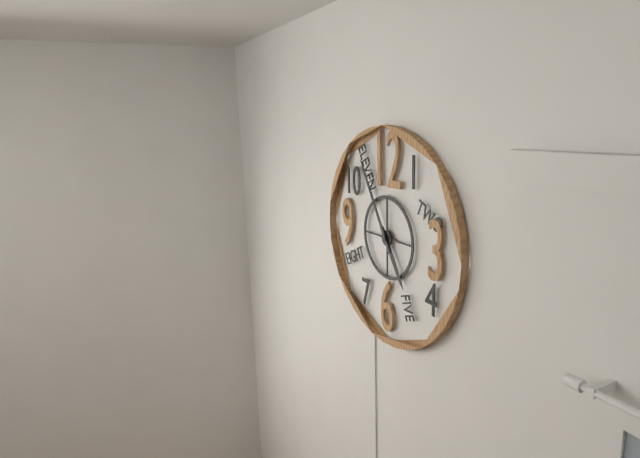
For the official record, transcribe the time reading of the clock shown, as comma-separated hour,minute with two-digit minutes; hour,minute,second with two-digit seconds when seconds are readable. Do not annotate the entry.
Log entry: 4,55
